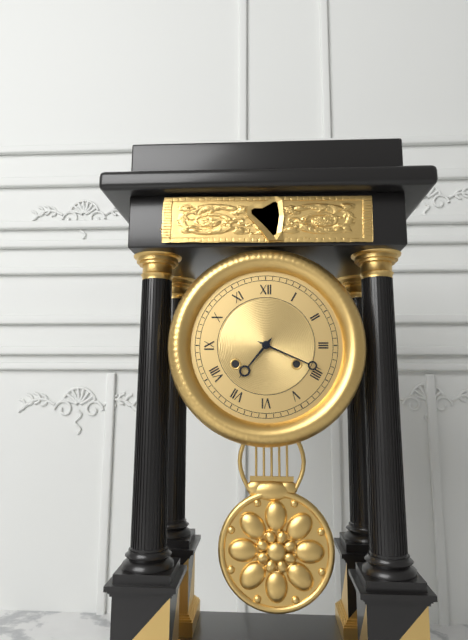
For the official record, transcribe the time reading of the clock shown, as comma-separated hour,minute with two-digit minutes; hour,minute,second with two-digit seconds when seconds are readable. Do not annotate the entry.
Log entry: 7,19
